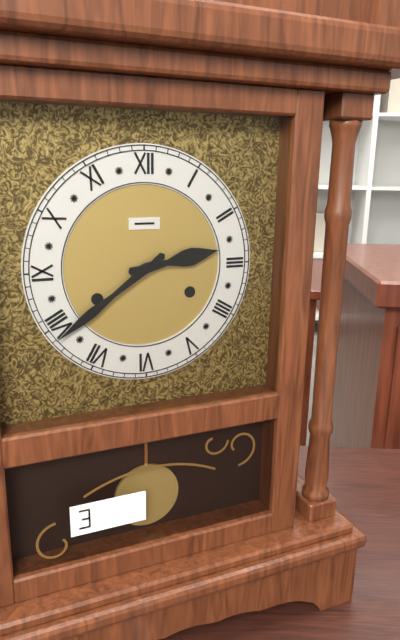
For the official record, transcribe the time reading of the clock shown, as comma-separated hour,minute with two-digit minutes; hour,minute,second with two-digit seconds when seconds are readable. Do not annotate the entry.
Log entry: 2,39
